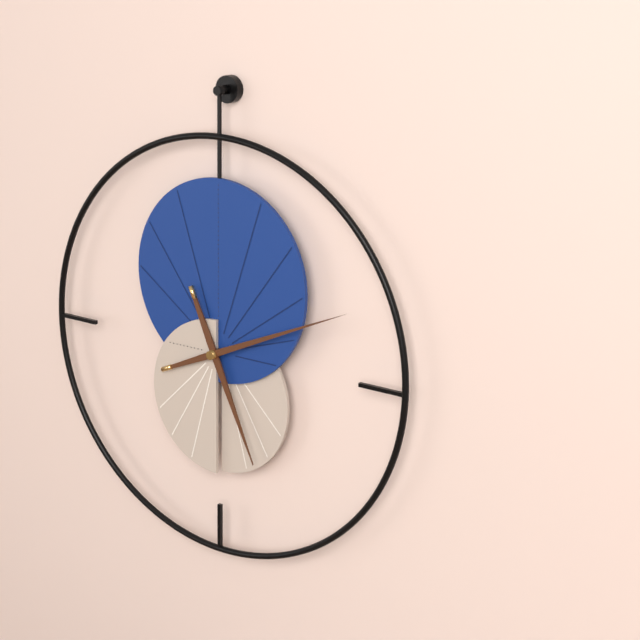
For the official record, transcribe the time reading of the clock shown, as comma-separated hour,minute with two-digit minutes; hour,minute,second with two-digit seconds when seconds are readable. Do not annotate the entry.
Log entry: 5,11
